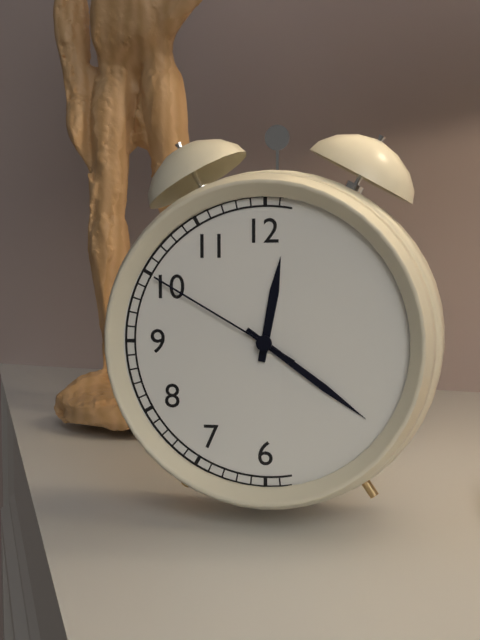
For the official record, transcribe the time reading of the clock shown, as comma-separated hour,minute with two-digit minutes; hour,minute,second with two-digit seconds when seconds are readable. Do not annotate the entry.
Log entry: 12,21,50
